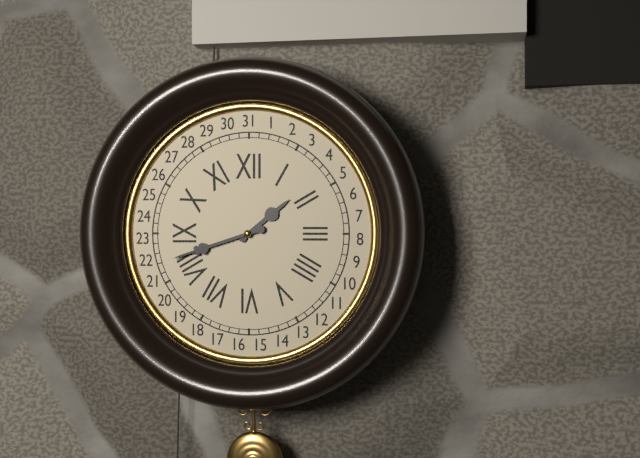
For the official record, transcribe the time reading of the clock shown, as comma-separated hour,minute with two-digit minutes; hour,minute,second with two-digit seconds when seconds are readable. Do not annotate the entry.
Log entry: 1,42
